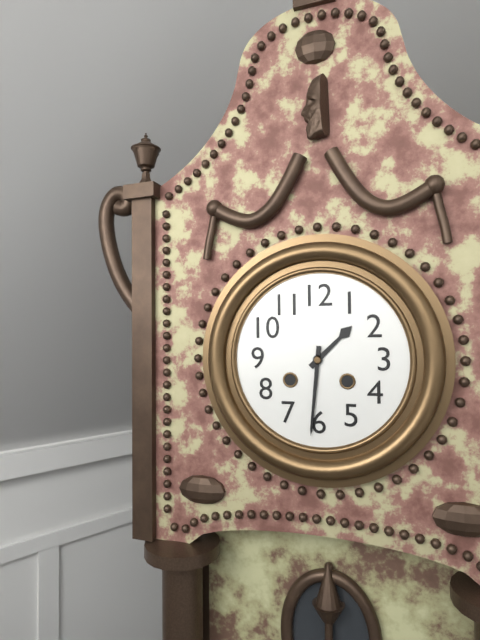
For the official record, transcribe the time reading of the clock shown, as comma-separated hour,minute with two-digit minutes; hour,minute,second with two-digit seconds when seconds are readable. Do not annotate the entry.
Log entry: 1,31
